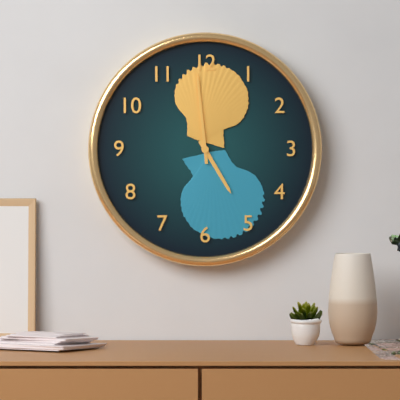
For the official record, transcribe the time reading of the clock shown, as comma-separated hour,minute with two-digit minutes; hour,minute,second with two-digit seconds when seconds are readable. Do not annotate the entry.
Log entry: 4,59
